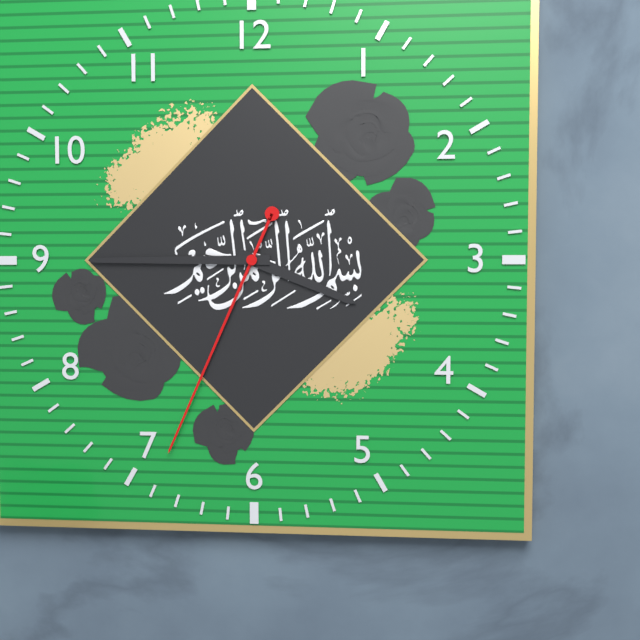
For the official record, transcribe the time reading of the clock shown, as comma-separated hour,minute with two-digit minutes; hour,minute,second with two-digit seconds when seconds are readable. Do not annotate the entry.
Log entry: 3,45,34
